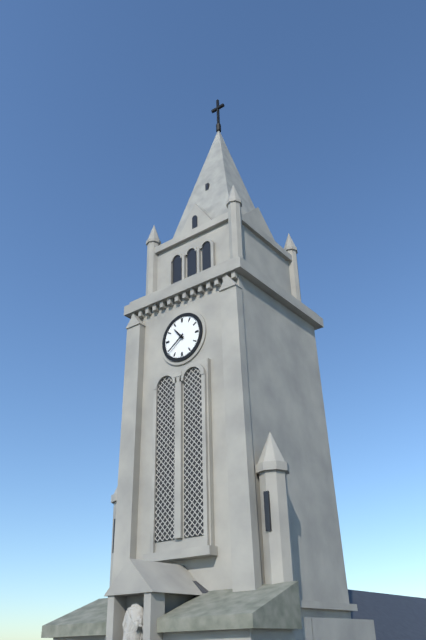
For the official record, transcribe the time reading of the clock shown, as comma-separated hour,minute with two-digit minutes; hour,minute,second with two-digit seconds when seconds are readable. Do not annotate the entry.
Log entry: 10,39
